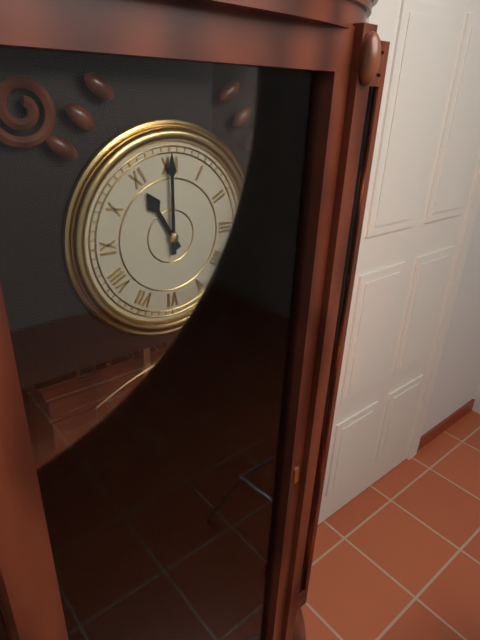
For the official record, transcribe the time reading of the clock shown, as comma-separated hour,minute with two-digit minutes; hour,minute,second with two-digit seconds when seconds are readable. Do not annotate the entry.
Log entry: 11,00
